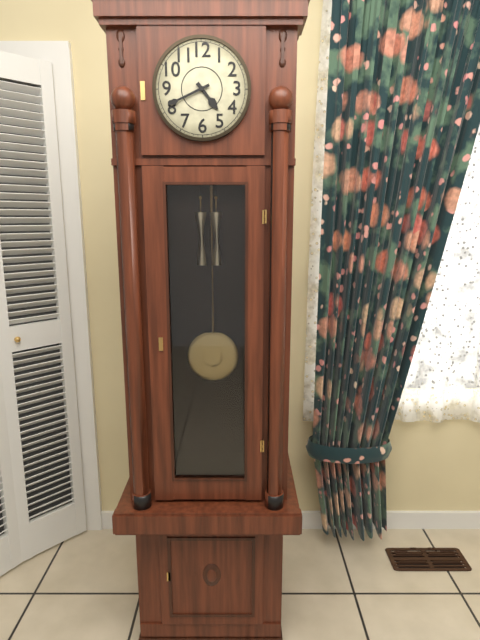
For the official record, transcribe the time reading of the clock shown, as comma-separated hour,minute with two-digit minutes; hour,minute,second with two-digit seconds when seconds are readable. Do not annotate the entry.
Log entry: 4,41
